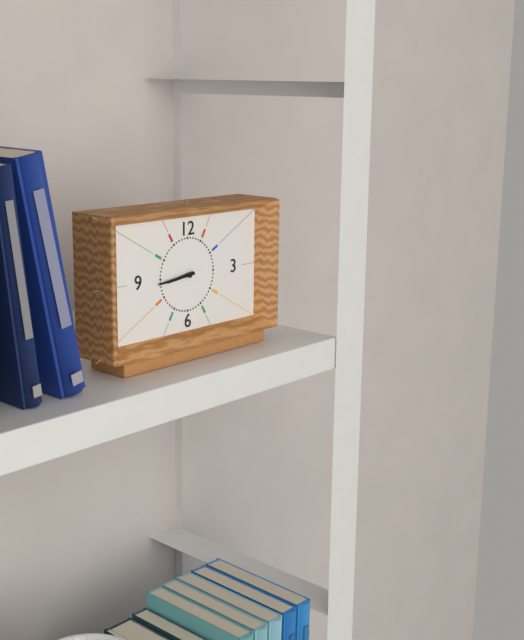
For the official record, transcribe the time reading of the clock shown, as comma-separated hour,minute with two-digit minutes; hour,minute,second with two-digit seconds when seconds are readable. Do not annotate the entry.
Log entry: 8,44
